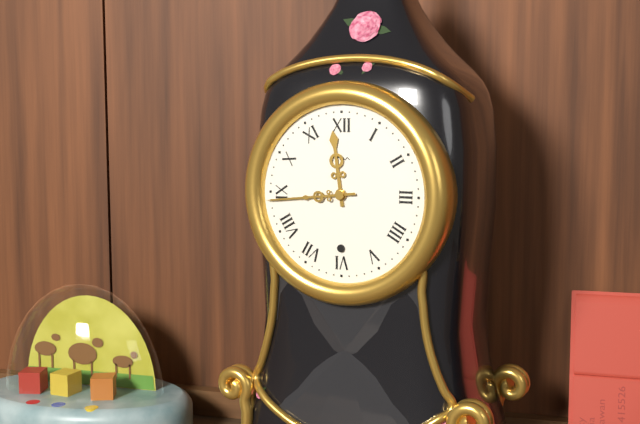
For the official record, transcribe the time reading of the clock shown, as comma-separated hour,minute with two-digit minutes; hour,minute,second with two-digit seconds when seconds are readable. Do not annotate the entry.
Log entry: 11,44
